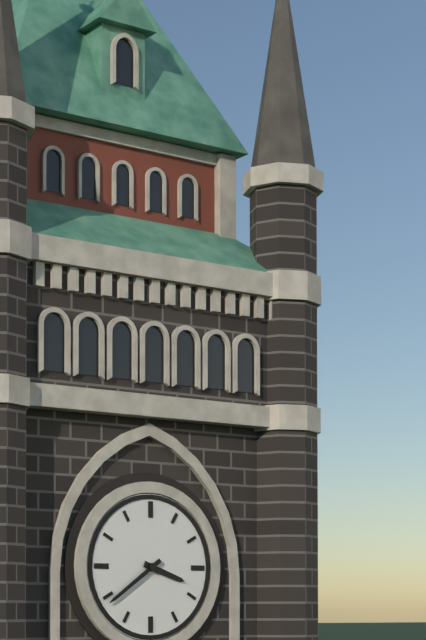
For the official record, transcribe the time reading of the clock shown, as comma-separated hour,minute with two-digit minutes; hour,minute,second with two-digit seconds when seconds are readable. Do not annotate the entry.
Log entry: 3,39
